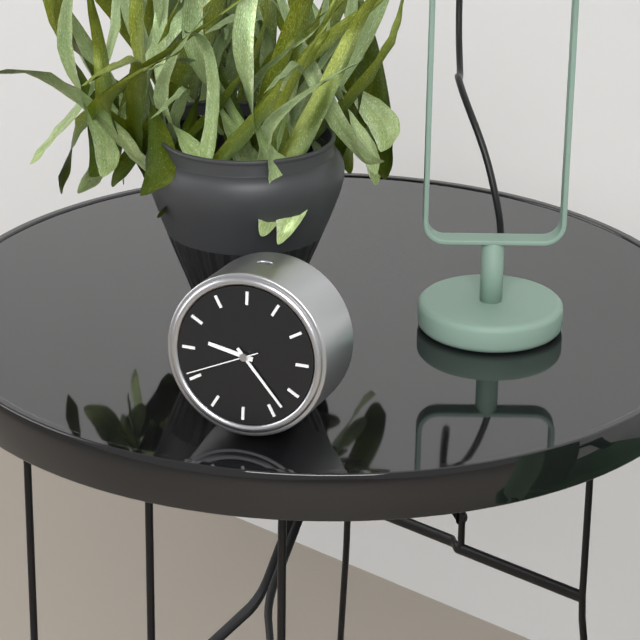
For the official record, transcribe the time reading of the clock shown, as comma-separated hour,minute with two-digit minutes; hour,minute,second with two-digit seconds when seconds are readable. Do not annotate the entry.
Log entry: 9,23,41
